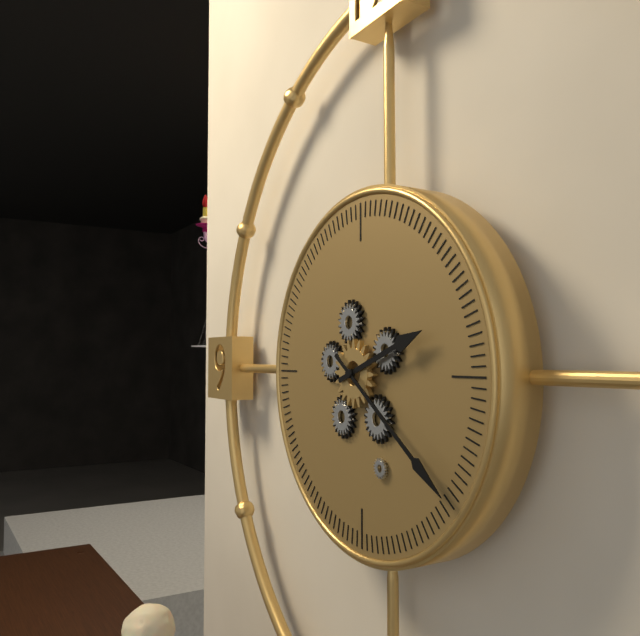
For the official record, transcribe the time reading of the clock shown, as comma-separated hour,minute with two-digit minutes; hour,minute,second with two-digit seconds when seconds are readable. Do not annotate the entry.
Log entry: 2,21
